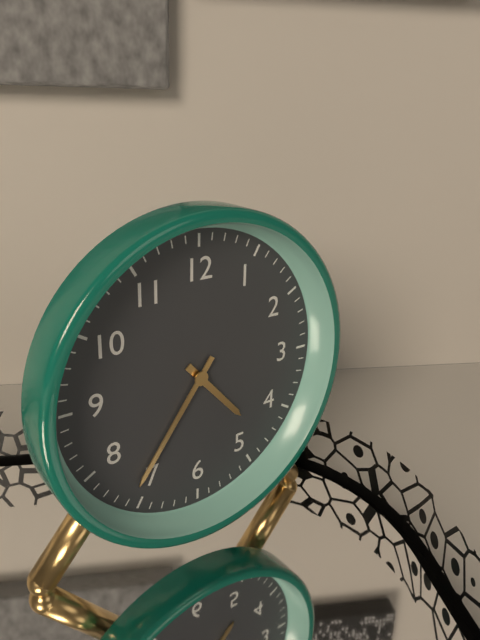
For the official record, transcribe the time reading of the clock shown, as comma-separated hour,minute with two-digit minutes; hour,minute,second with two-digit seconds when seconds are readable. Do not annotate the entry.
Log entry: 4,36
